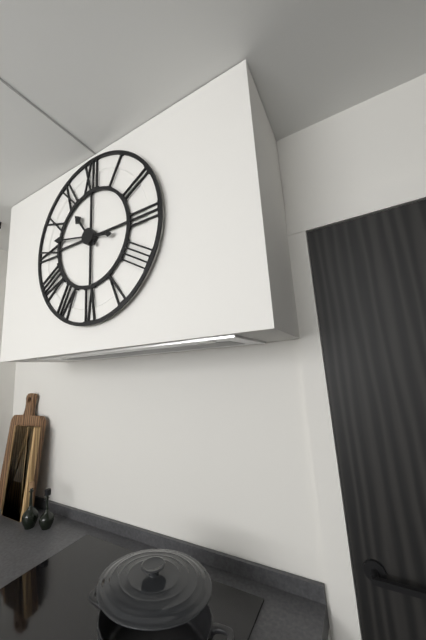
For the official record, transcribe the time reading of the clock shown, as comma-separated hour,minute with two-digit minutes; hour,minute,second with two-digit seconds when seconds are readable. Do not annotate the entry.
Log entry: 10,47
